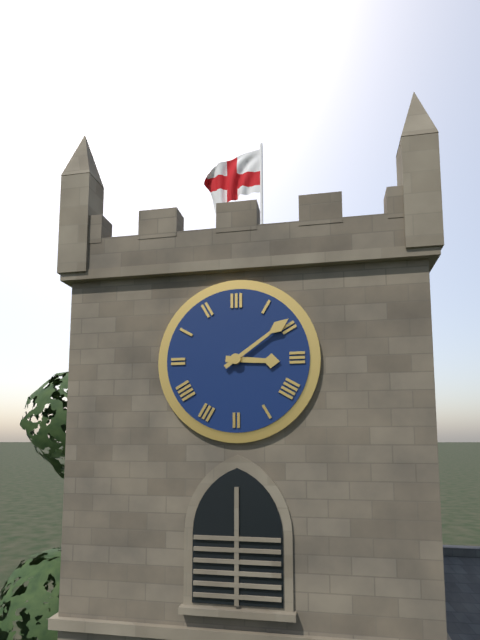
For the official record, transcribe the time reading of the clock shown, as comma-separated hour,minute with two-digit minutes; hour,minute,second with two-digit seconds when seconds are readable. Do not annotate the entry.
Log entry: 3,09
